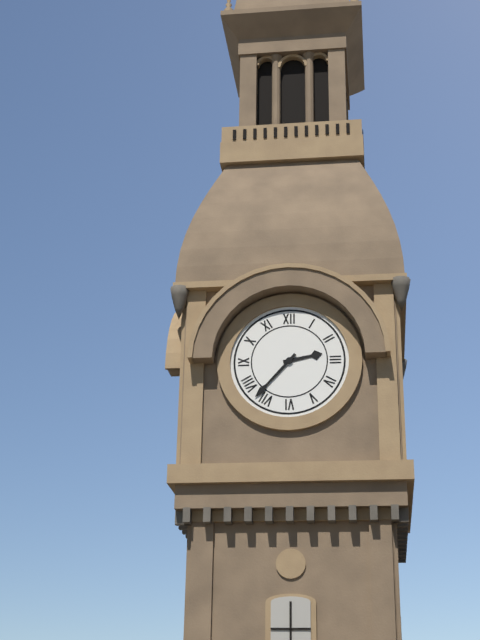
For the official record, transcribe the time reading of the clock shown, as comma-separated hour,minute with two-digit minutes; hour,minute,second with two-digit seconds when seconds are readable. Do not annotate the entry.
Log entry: 2,37
